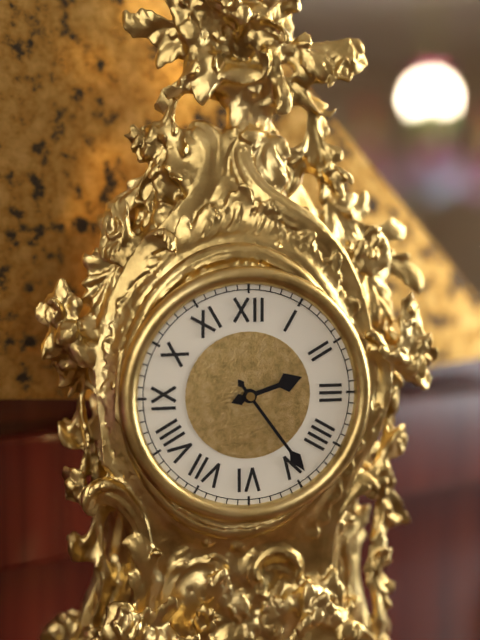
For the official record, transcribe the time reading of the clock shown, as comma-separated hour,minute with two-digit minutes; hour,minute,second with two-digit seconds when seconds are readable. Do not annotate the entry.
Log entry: 2,24
